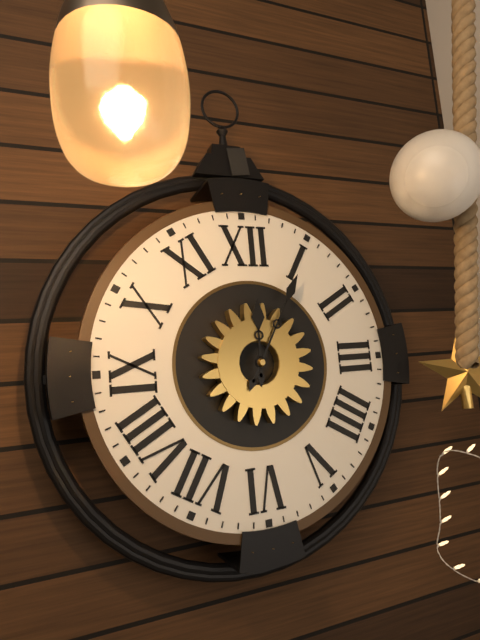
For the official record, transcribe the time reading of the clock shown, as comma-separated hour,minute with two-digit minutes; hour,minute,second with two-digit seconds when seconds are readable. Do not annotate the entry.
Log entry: 12,05
